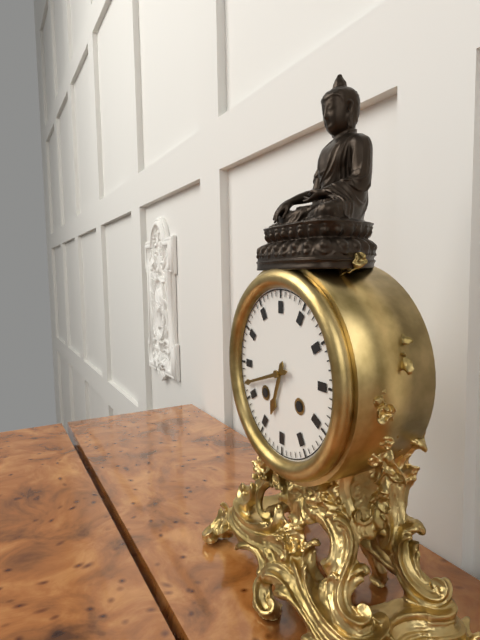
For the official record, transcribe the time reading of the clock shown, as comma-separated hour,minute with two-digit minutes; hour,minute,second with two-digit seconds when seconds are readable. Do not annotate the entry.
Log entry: 6,42
